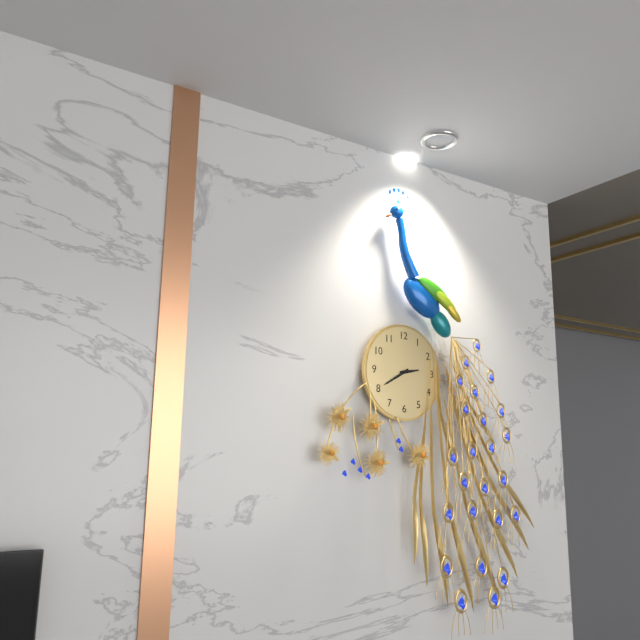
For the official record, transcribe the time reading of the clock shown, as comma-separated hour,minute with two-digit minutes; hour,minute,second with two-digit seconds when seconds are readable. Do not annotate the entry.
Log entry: 2,40
